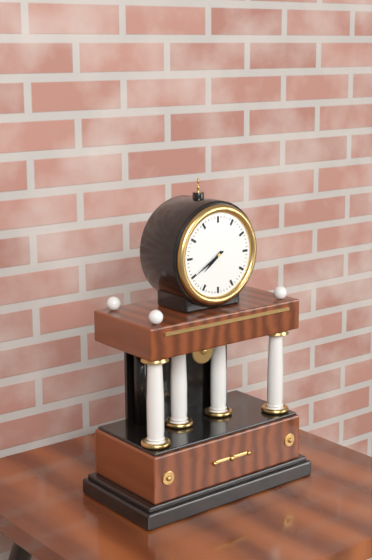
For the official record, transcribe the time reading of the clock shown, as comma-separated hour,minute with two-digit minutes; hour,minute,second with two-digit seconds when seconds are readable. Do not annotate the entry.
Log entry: 7,40
